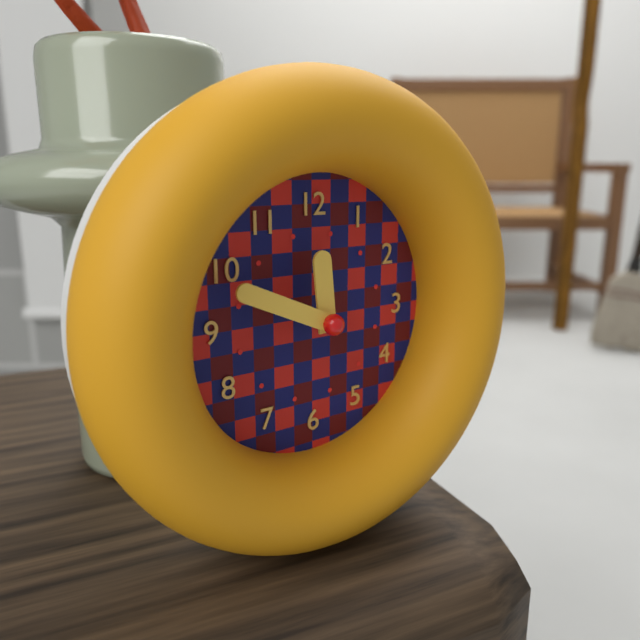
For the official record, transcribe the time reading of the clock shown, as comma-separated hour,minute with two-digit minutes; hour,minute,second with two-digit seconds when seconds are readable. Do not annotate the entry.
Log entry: 11,49
